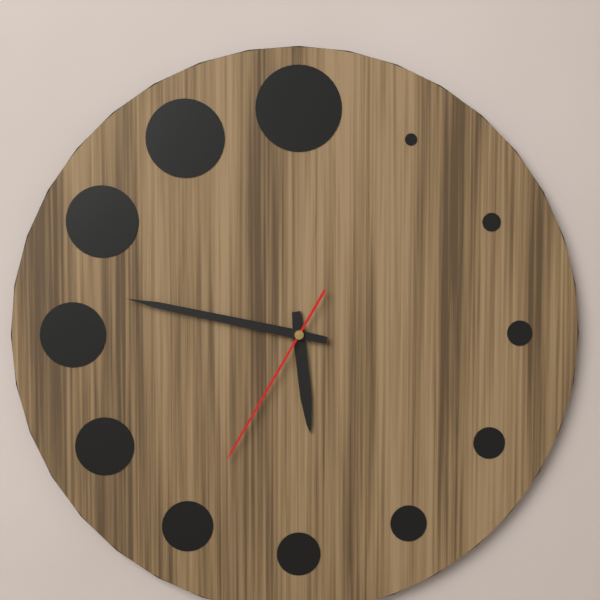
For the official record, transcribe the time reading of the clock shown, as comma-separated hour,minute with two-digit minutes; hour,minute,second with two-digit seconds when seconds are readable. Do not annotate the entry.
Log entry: 5,47,35
